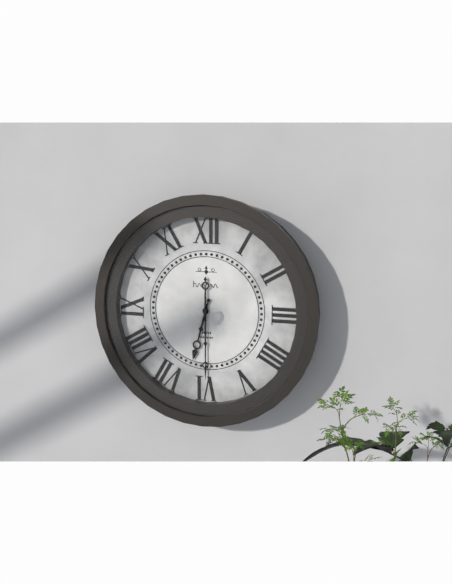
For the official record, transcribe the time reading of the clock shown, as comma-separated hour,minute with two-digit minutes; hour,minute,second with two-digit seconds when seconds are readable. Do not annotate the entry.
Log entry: 6,30
